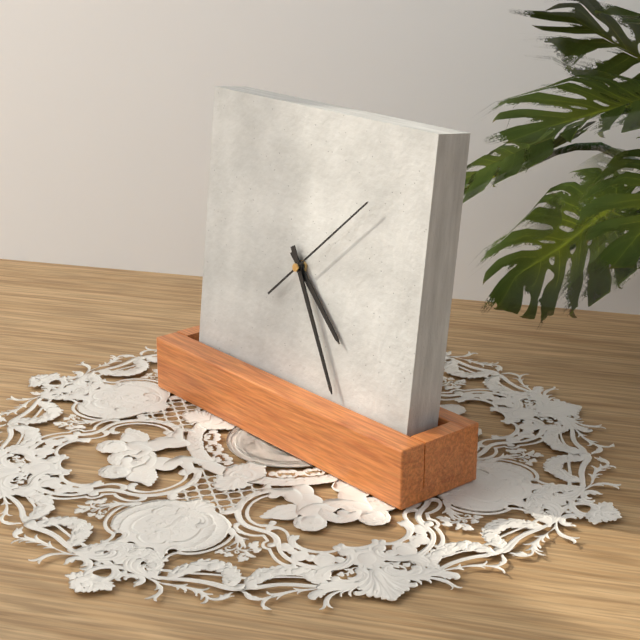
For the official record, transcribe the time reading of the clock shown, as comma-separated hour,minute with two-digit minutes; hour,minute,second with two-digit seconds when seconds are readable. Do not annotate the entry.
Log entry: 4,25,08
